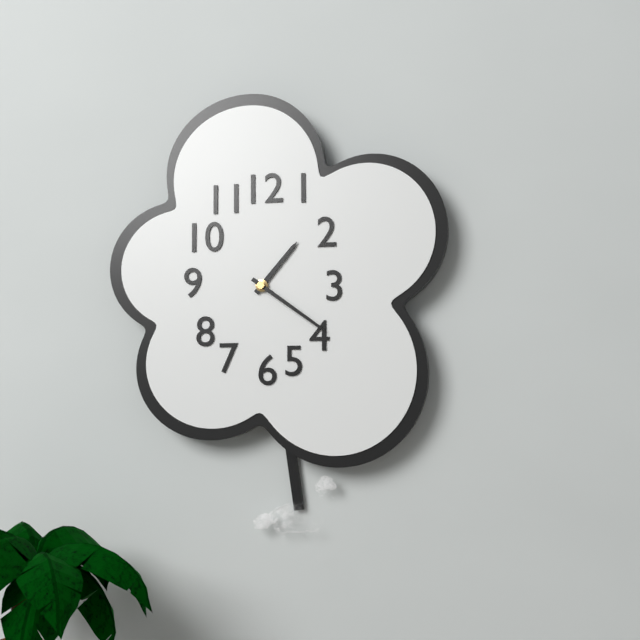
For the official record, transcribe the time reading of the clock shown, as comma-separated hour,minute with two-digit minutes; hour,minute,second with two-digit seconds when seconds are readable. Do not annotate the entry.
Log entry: 1,21
